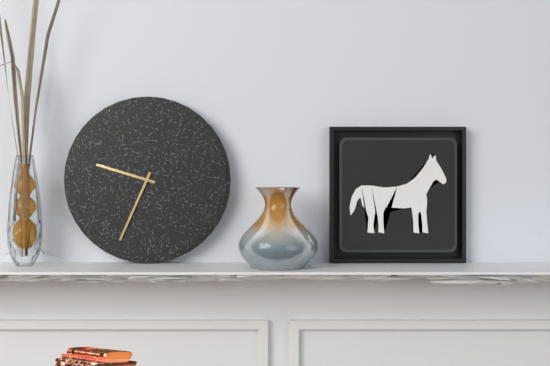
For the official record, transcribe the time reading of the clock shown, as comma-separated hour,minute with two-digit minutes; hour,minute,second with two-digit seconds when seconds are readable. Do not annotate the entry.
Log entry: 9,34
